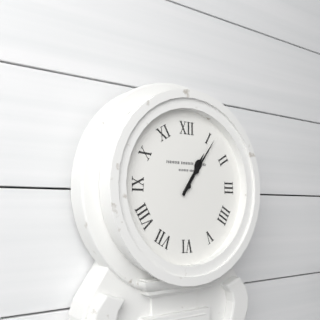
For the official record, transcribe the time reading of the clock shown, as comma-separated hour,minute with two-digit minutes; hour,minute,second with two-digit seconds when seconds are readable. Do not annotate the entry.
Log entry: 1,06
